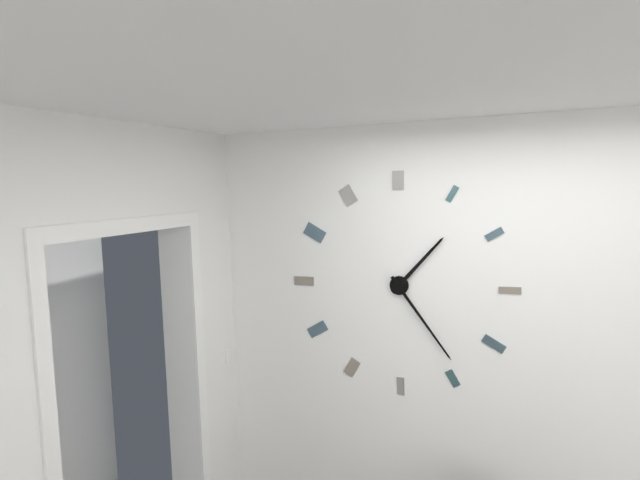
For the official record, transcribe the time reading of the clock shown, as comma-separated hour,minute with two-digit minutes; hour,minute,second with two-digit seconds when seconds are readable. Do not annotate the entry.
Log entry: 1,24
